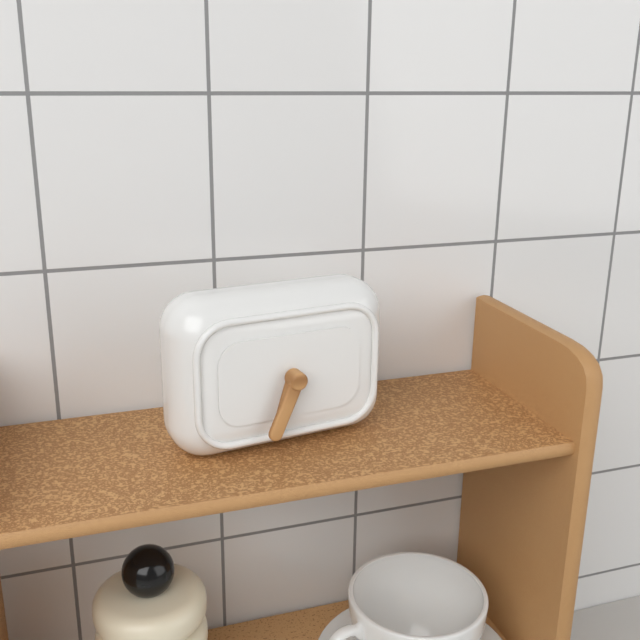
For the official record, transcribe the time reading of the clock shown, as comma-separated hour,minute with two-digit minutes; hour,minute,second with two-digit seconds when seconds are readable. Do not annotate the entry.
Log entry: 6,34
